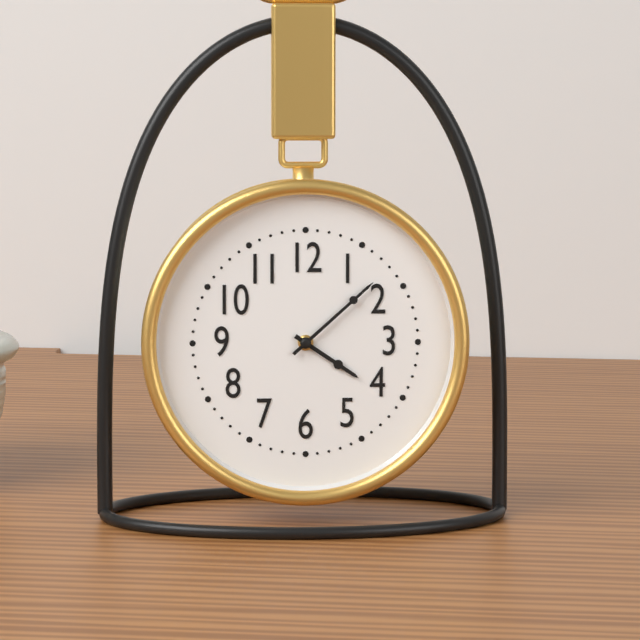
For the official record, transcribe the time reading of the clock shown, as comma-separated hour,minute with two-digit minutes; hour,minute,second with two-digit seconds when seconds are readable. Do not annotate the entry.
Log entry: 4,08
